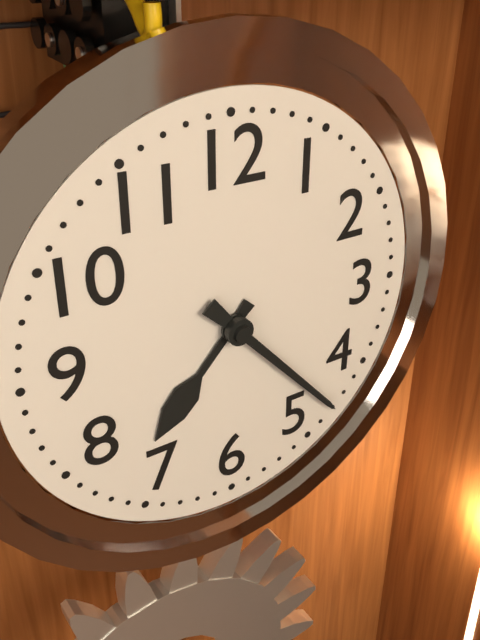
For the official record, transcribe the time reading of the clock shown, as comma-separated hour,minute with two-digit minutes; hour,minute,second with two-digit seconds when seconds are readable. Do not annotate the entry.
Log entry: 7,23
